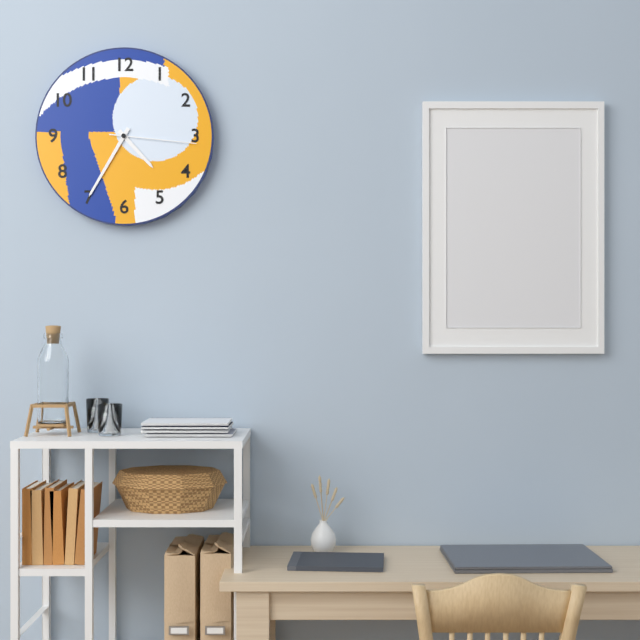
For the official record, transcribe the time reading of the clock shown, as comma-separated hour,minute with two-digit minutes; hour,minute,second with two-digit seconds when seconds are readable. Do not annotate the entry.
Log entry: 4,35,16
